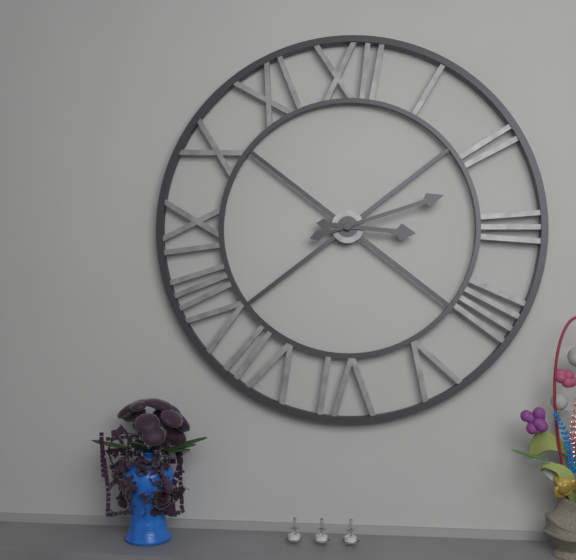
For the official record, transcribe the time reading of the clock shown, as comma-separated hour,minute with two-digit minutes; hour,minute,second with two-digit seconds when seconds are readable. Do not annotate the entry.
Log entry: 3,12
